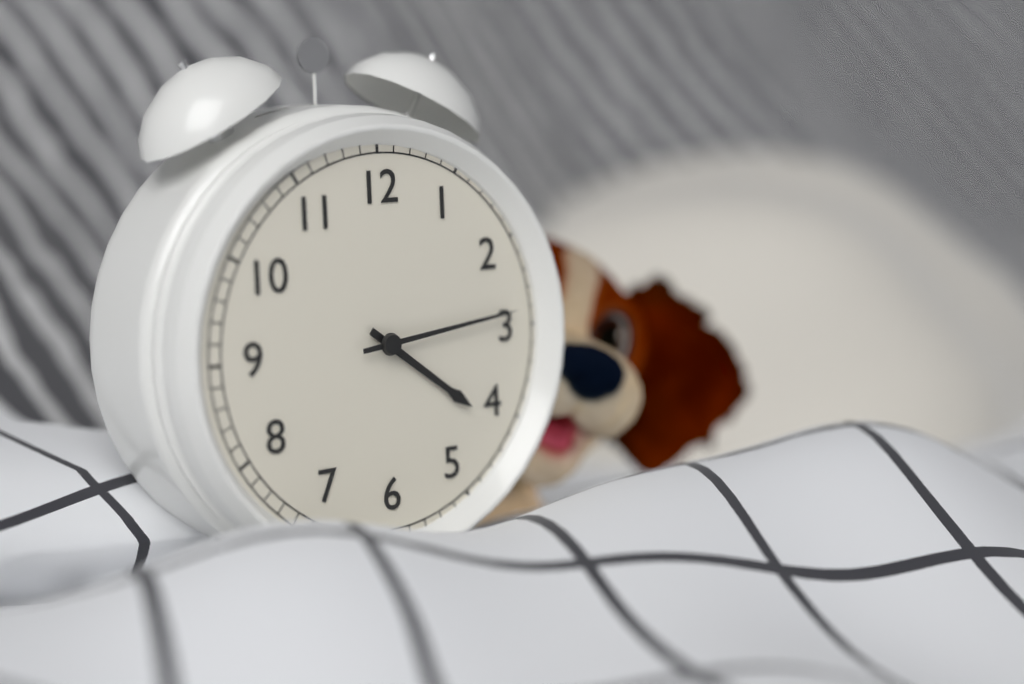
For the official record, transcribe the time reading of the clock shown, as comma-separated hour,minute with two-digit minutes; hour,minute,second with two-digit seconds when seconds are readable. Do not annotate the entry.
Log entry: 4,14
